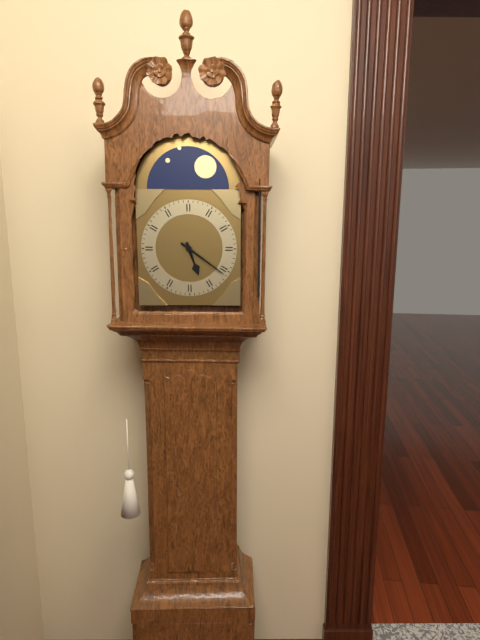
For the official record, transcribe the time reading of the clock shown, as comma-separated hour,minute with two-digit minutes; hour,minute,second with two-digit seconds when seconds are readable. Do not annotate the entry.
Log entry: 5,21
